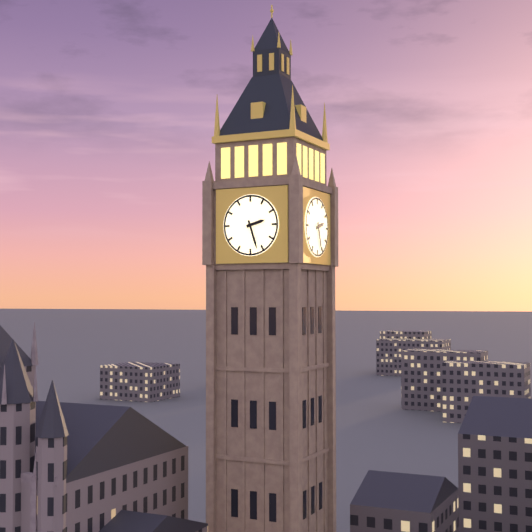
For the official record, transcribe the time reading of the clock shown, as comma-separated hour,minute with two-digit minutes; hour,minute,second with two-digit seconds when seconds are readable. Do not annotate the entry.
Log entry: 2,27
